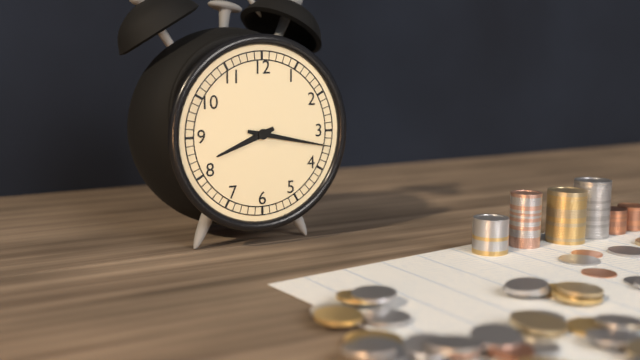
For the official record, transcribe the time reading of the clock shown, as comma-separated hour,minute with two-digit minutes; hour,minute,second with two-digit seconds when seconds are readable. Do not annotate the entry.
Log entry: 8,17
